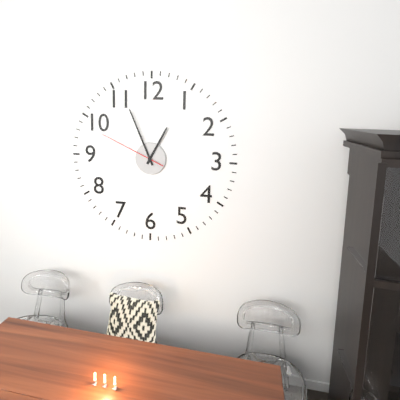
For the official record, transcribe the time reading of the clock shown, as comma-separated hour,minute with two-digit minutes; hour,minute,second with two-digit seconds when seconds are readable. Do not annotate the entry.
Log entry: 12,56,49
